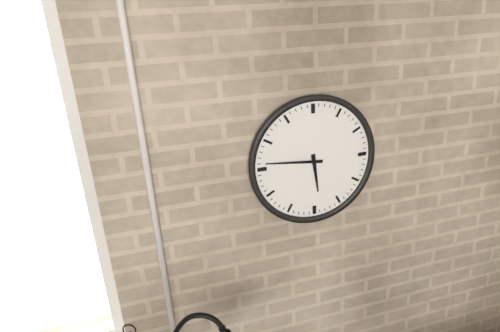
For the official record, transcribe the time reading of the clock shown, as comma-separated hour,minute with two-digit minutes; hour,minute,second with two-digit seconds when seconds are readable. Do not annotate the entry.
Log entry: 5,46
